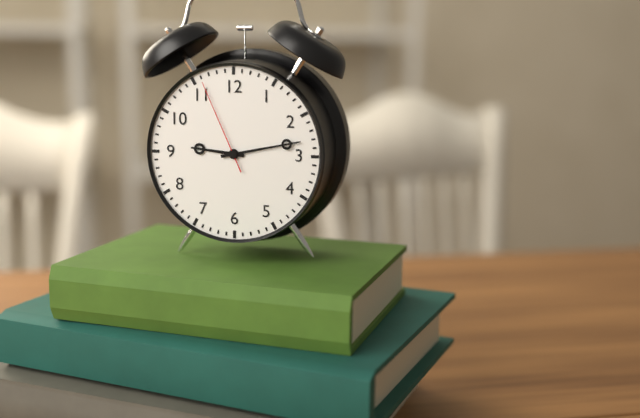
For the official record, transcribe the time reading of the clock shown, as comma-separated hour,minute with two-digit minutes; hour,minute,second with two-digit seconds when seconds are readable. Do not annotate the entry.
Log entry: 9,13,56
